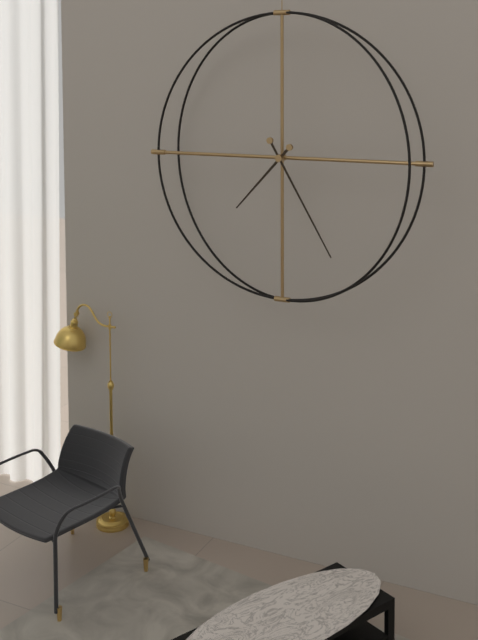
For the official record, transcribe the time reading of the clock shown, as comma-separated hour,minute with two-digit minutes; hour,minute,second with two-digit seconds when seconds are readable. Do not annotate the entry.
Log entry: 7,25
